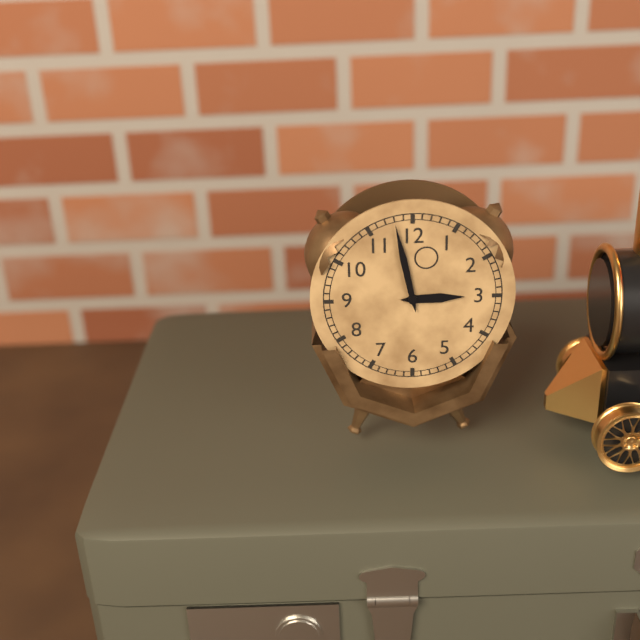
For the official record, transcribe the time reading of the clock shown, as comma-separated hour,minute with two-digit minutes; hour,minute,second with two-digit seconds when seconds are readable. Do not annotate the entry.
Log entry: 2,58
